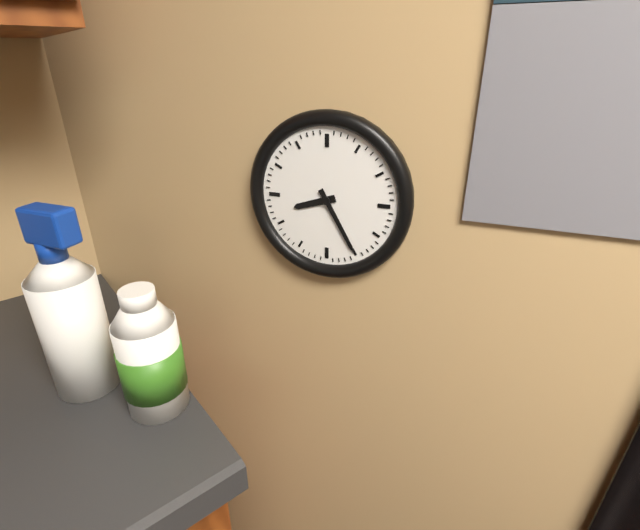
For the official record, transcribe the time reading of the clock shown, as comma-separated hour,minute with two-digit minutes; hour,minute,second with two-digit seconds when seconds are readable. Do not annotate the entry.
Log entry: 8,25
